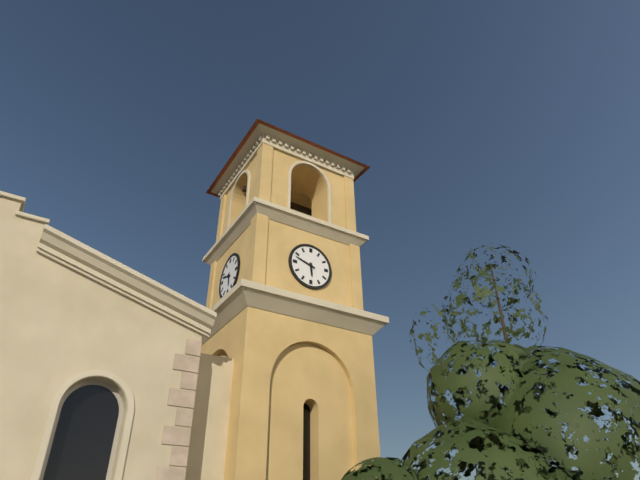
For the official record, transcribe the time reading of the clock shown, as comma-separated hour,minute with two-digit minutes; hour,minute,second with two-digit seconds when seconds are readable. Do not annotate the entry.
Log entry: 5,48
